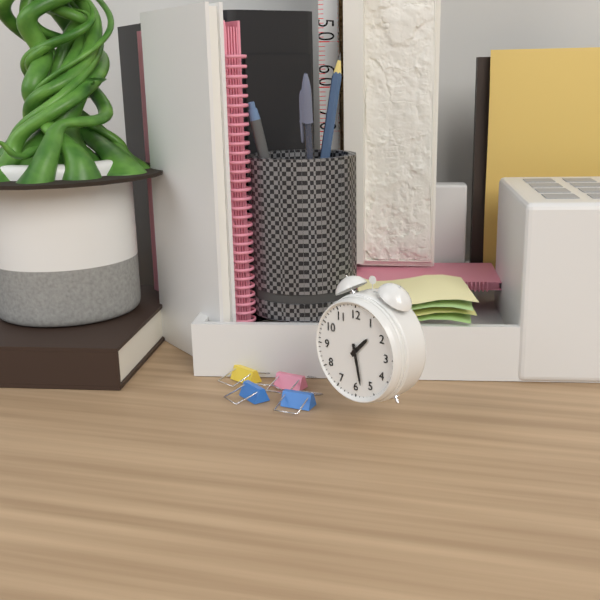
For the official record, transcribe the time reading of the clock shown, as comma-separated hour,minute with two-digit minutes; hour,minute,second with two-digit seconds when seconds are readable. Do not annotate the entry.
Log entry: 1,28
